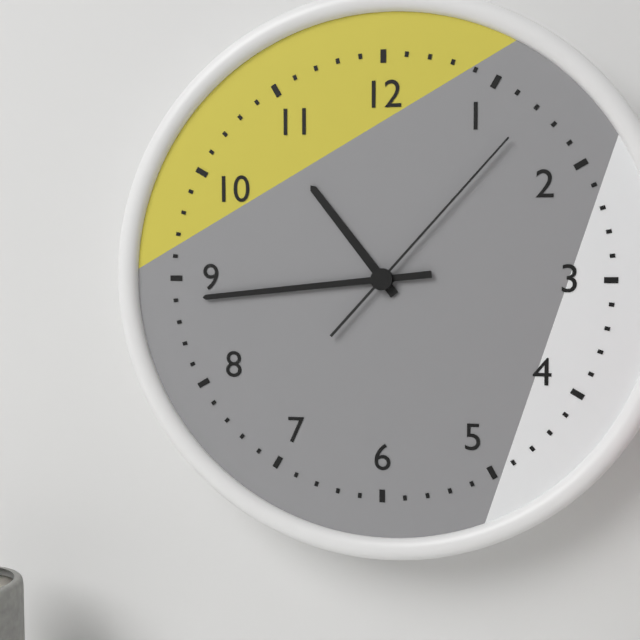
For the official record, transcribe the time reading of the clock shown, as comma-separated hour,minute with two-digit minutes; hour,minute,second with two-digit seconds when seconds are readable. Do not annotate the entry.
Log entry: 10,44,07
